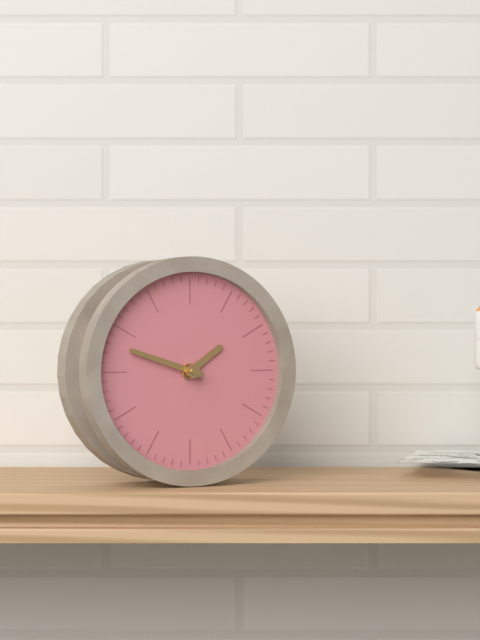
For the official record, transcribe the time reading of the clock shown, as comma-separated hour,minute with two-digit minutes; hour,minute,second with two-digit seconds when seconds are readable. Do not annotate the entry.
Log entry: 1,48
